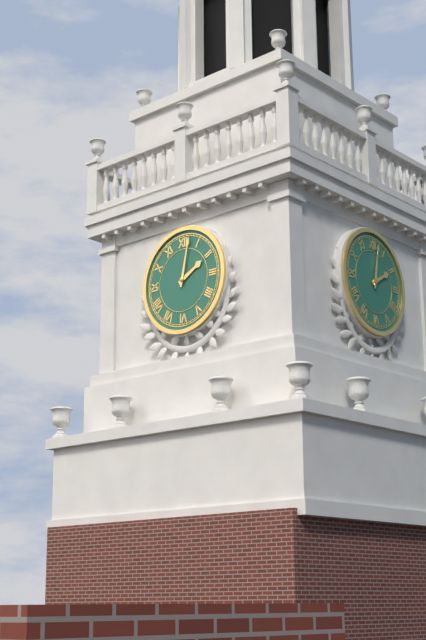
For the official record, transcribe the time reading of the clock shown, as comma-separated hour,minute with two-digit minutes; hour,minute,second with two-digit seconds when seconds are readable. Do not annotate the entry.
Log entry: 2,02
